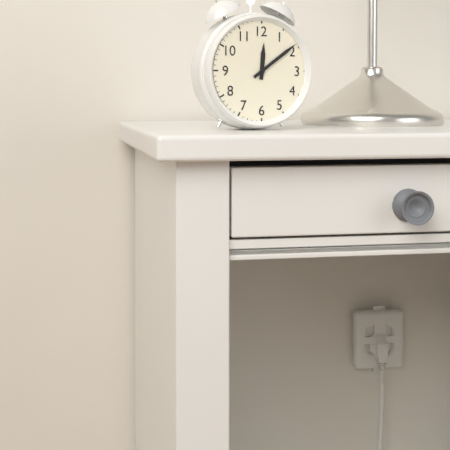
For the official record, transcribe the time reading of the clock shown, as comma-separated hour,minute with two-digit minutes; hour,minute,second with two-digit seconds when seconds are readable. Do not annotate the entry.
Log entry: 12,09
